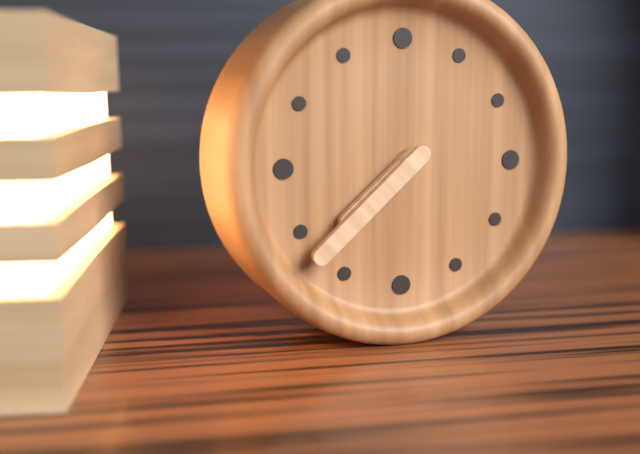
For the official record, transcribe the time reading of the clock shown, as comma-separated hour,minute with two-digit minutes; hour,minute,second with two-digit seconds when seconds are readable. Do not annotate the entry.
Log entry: 7,38
